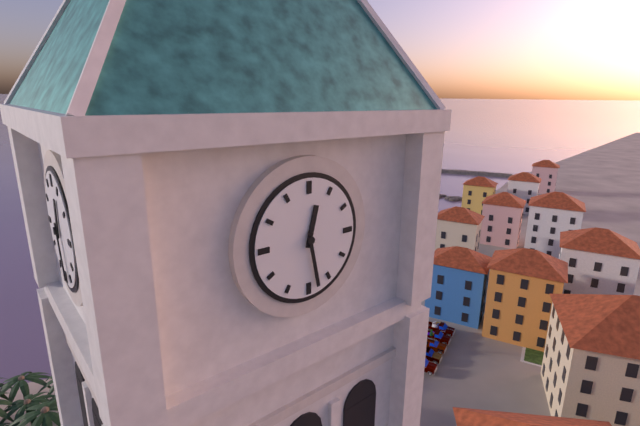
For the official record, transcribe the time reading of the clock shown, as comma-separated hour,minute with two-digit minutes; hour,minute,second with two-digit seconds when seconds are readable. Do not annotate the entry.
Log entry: 12,28
